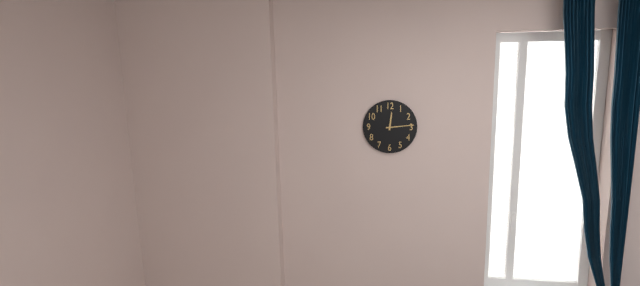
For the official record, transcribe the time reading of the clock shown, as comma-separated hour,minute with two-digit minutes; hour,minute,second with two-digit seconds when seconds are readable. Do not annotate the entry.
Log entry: 12,14
